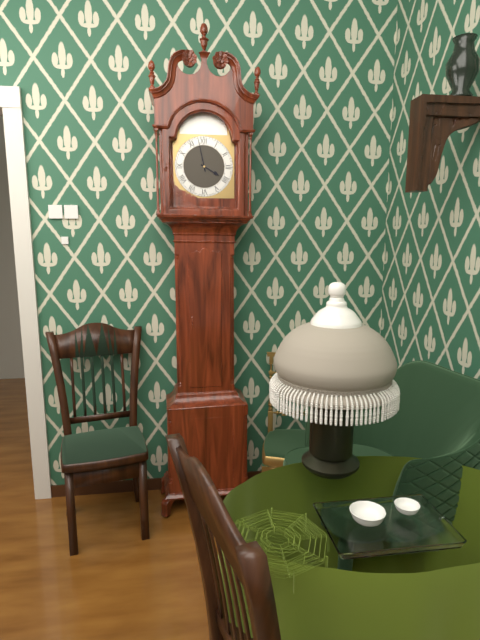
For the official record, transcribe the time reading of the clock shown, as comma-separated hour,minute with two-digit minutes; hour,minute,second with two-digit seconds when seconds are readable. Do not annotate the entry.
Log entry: 3,58
